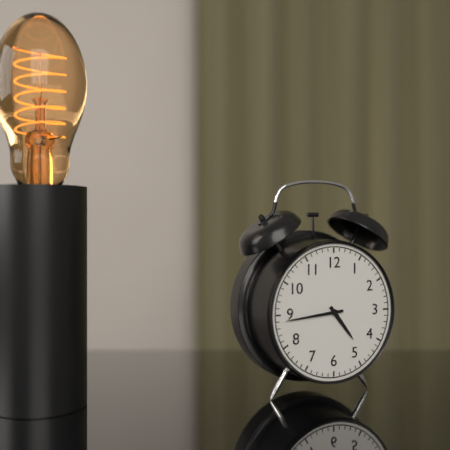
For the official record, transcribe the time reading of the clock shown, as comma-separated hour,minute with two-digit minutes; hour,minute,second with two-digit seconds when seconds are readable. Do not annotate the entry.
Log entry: 4,44
